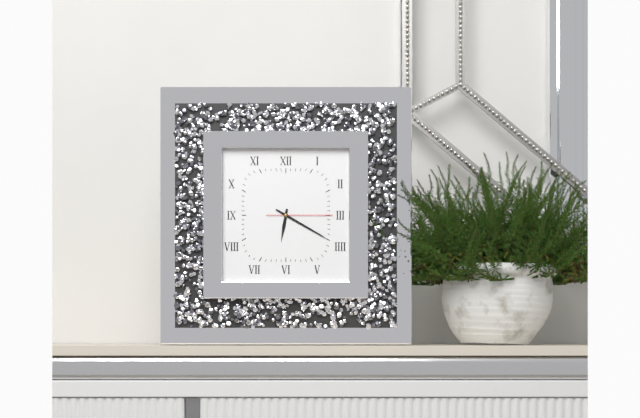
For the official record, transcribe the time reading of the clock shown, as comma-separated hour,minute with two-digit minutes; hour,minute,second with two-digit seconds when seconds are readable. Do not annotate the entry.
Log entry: 6,20,15
